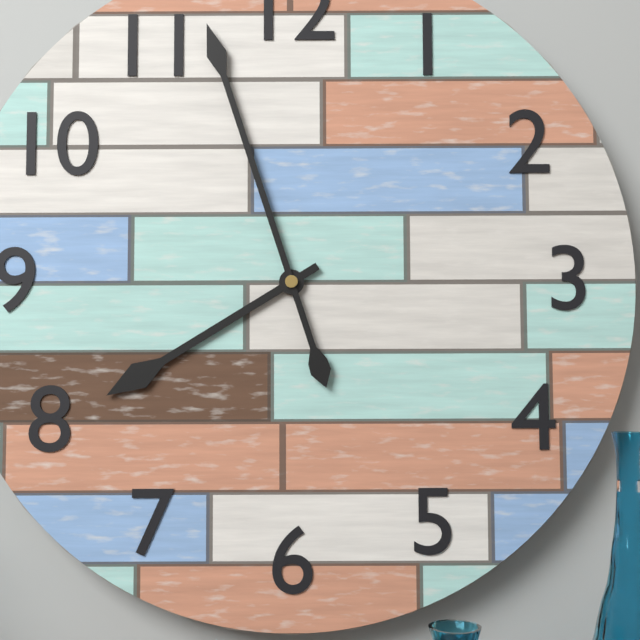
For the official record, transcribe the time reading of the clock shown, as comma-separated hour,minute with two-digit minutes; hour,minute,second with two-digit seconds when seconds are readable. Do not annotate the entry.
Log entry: 7,57
